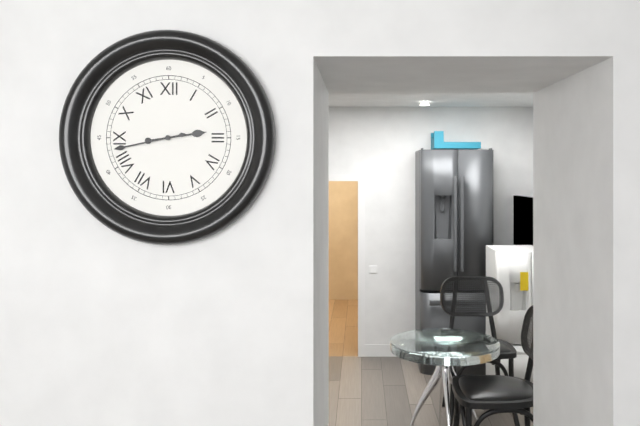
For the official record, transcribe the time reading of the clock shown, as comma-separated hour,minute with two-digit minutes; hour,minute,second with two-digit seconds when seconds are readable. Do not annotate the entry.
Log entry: 2,43
